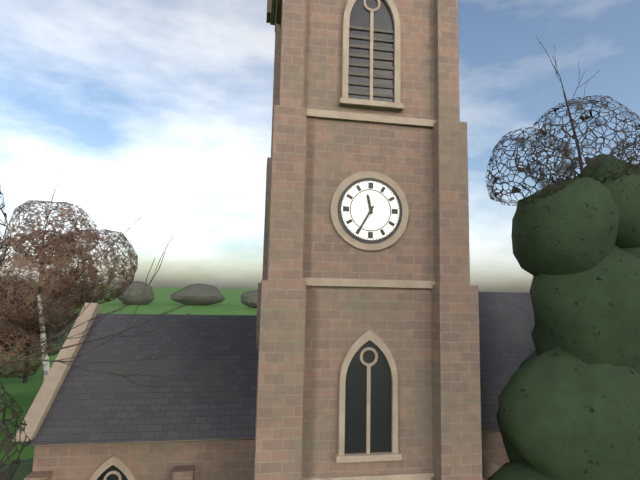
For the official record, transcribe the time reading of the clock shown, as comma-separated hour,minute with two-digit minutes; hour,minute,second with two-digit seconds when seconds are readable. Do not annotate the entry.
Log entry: 11,35
